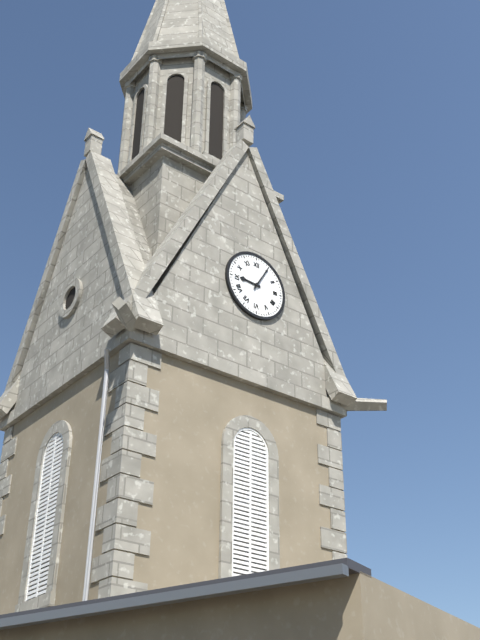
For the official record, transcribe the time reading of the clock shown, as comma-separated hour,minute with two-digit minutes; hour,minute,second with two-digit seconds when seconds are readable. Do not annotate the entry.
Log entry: 9,05
